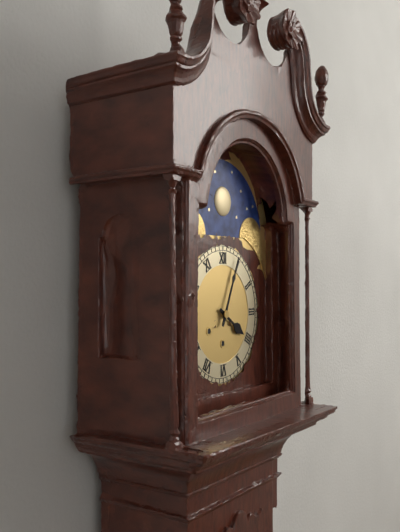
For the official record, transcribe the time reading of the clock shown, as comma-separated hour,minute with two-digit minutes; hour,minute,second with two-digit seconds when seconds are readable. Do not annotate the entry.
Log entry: 4,04
